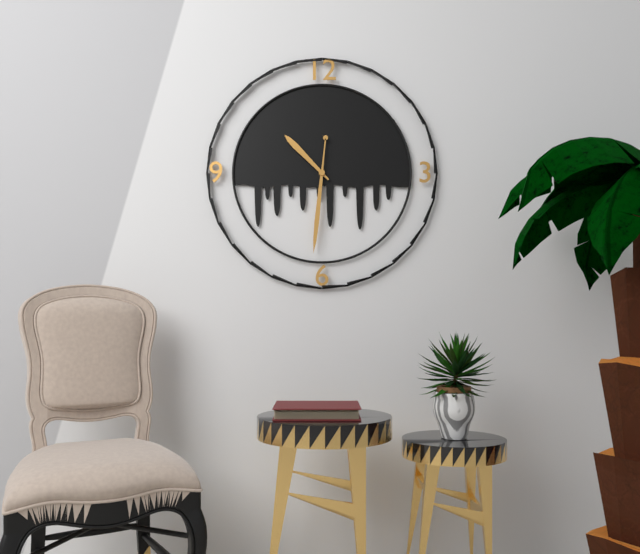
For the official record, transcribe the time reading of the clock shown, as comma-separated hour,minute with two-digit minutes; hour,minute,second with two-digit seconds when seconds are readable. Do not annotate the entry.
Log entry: 10,31
